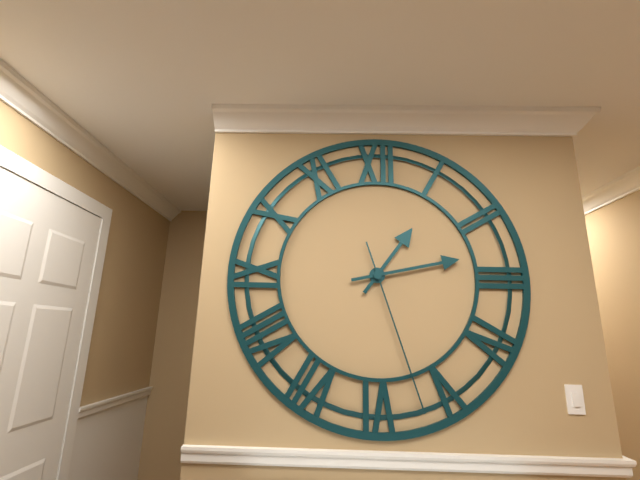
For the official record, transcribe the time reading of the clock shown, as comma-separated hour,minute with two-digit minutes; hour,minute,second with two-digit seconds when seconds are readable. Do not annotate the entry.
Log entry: 1,13,27
